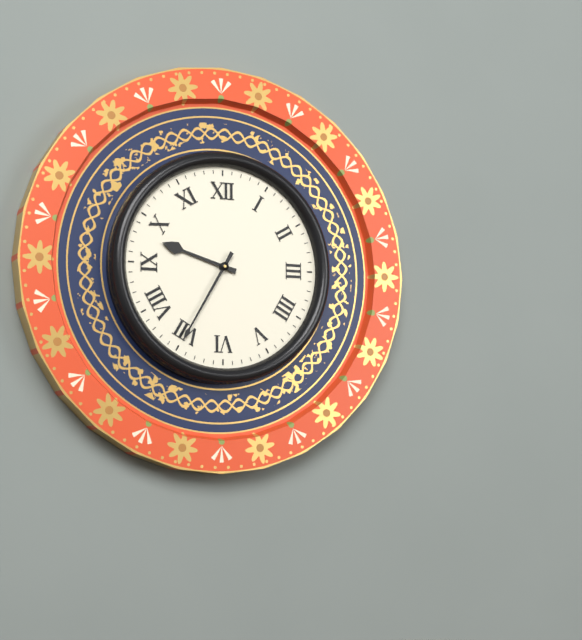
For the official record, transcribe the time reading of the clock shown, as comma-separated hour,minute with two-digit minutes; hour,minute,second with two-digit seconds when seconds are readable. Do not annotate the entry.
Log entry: 9,35
